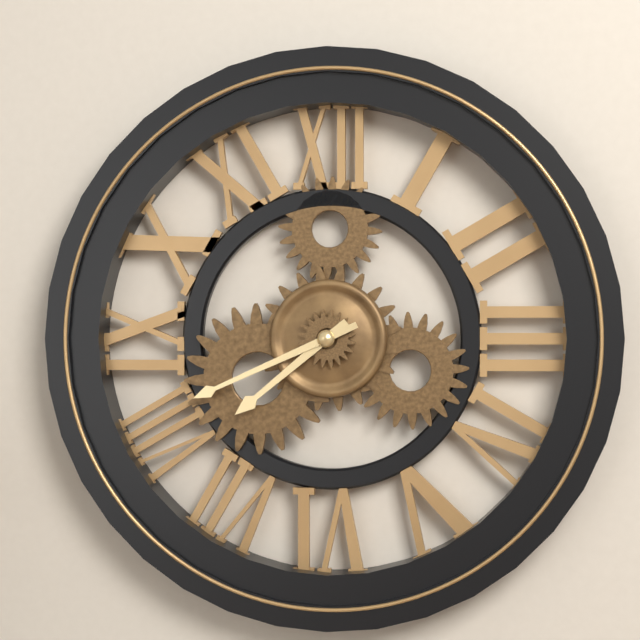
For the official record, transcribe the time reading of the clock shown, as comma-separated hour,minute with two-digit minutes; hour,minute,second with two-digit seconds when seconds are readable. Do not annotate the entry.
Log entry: 7,41
